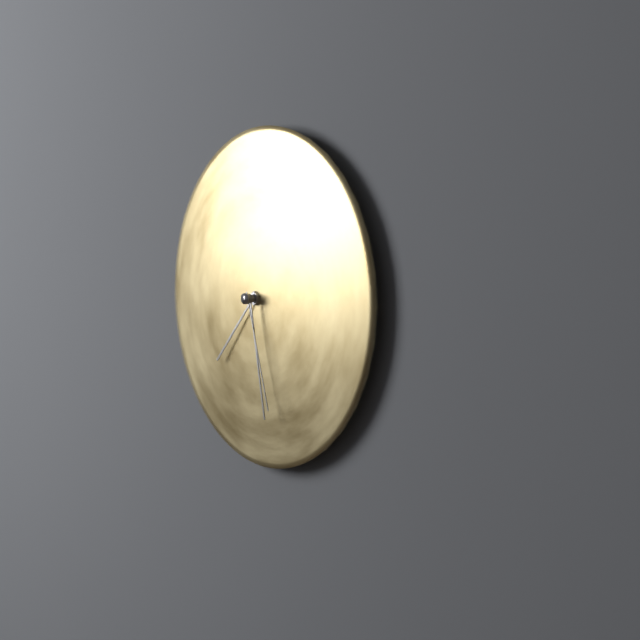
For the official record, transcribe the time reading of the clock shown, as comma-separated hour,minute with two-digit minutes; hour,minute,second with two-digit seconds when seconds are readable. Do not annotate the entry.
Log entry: 7,28,27
